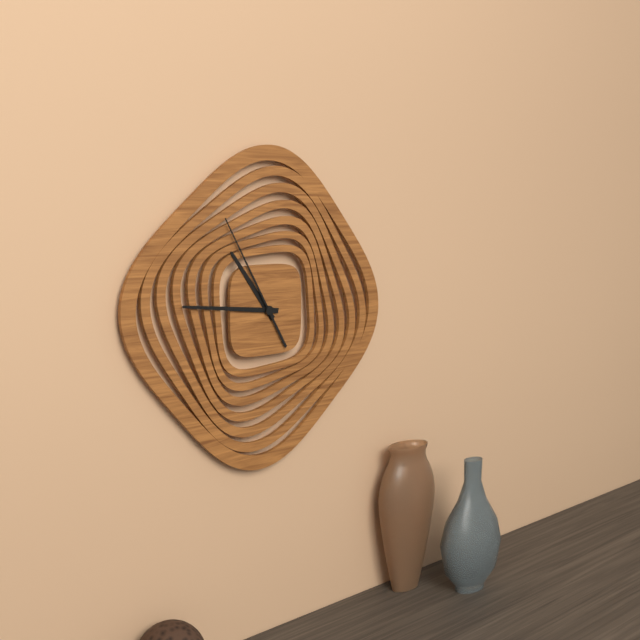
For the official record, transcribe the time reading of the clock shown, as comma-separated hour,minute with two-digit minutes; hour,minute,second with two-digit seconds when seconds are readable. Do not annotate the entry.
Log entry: 10,46,55
